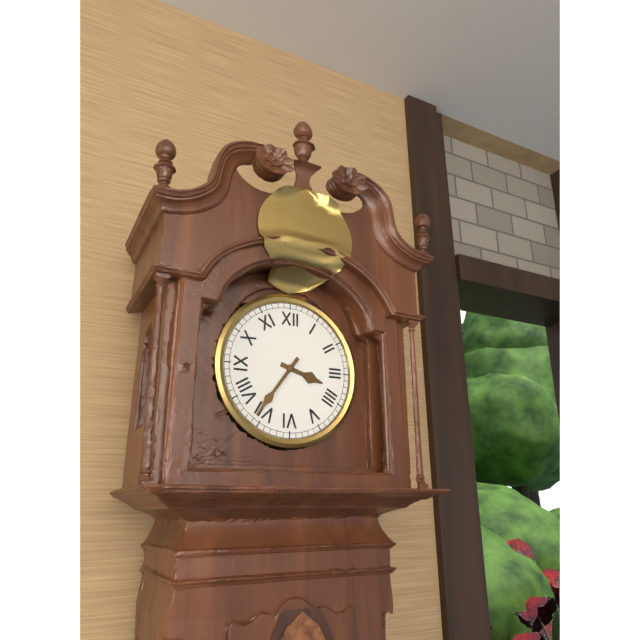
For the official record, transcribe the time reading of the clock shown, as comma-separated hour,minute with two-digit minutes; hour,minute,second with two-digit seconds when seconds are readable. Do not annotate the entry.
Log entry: 3,36
